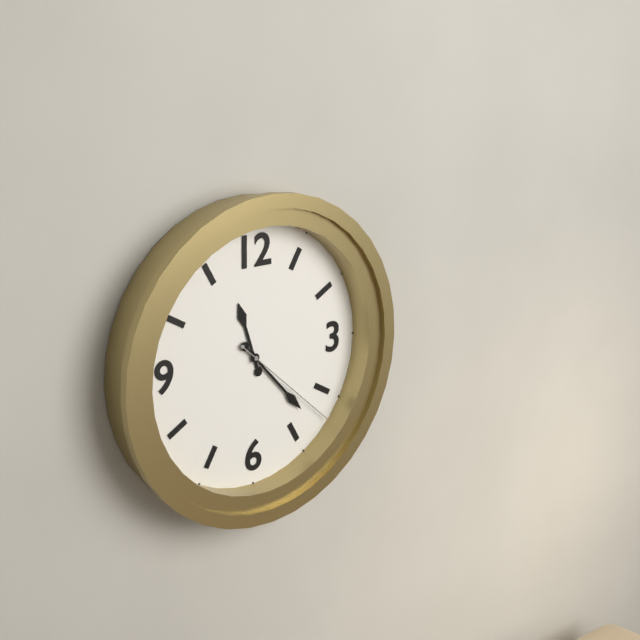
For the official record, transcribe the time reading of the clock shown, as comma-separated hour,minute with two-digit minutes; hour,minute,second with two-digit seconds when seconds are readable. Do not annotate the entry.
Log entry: 11,23,22
